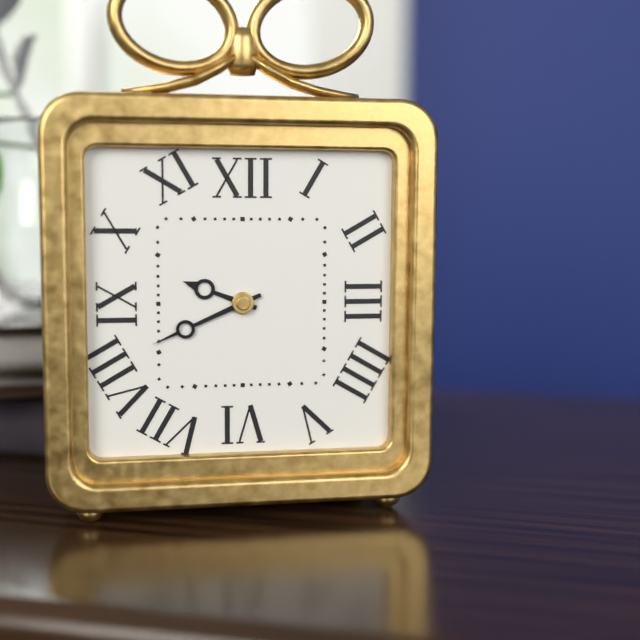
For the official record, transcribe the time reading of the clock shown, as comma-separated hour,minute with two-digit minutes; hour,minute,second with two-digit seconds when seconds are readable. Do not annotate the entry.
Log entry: 9,41
